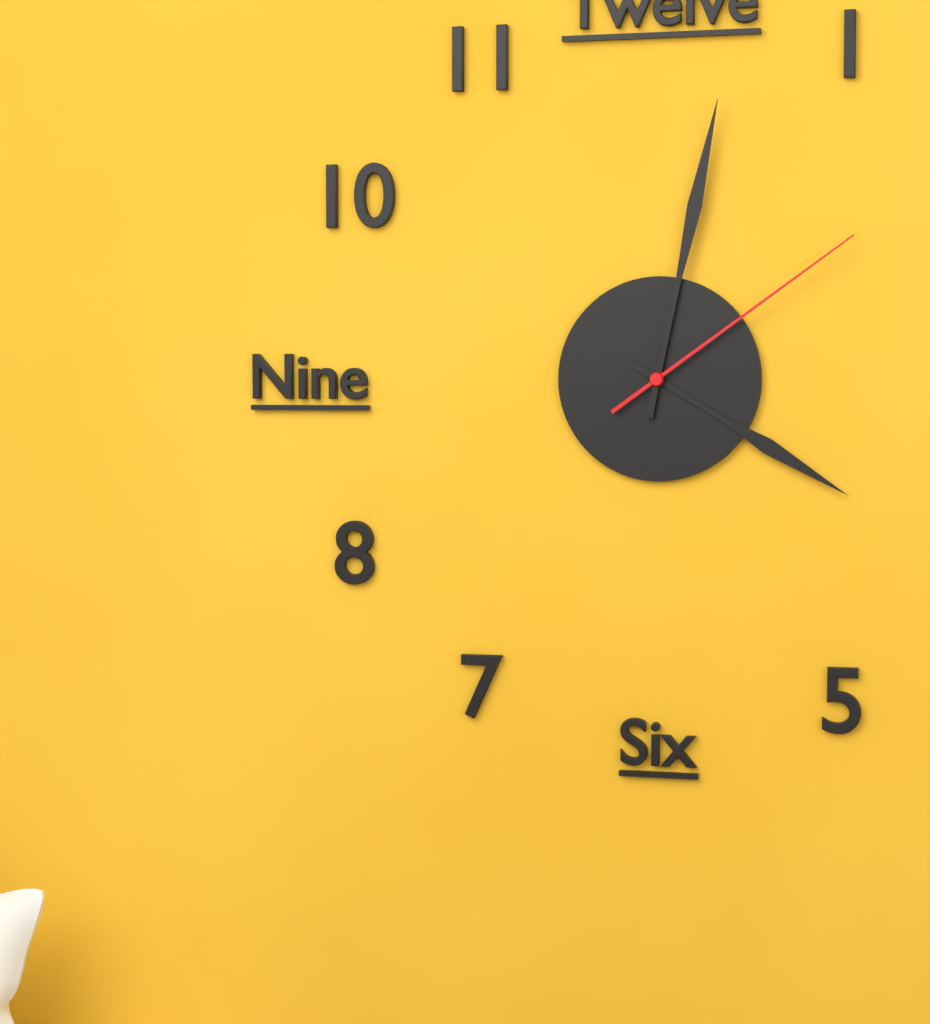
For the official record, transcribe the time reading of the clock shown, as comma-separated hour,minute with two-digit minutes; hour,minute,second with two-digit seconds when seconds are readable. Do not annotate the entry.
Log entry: 4,02,09
